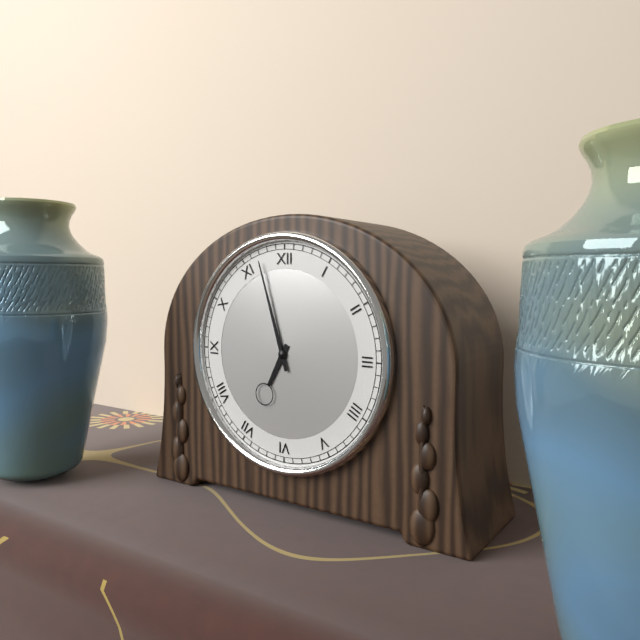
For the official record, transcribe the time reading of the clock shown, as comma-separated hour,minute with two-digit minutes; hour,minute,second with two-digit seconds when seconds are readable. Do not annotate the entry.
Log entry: 6,57
